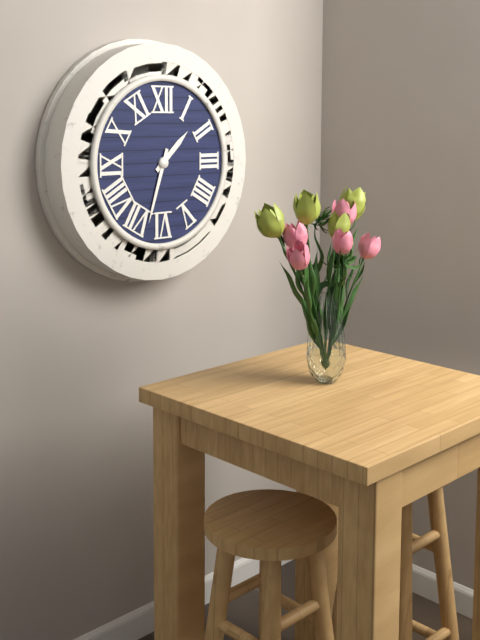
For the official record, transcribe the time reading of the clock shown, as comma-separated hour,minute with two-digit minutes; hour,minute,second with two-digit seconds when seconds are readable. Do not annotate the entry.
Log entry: 1,33
